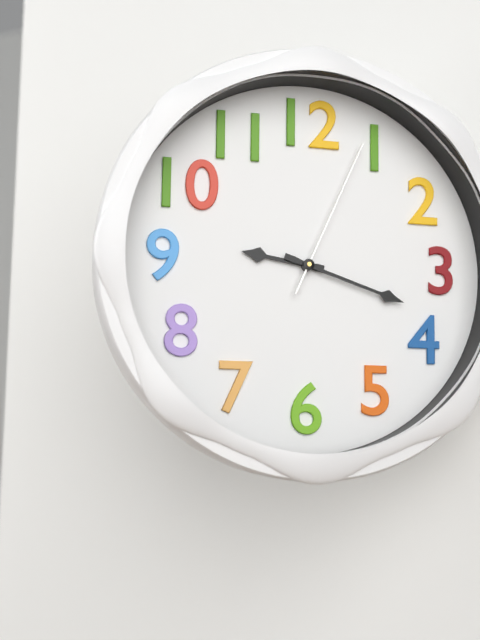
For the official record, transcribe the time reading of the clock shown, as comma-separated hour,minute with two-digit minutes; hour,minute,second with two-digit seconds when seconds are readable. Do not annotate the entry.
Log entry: 9,18,04
